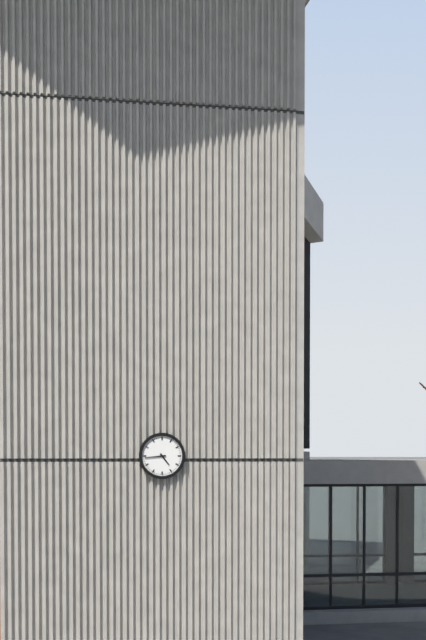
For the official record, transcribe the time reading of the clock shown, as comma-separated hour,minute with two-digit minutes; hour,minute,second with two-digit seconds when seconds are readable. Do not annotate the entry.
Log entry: 4,44
